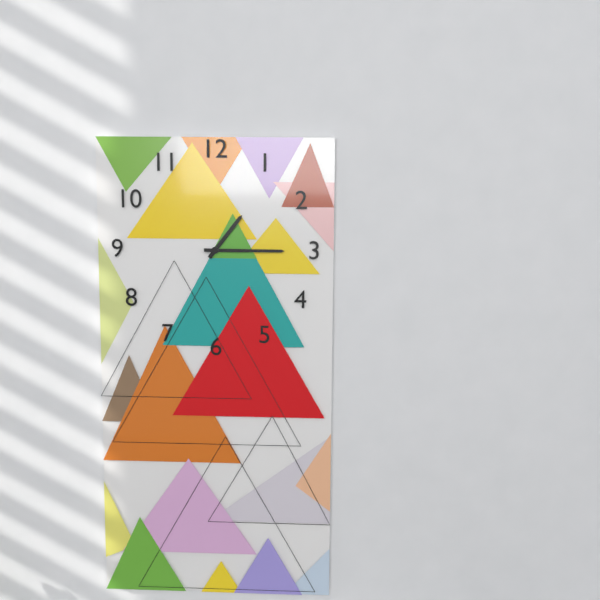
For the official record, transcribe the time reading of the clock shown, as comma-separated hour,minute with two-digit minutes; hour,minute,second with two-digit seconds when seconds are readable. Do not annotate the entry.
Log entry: 1,15
